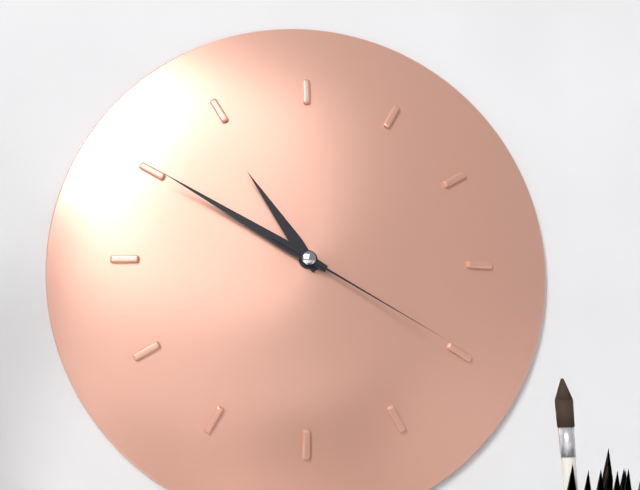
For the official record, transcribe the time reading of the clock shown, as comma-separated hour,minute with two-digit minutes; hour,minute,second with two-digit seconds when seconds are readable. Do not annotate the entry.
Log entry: 10,50,20
